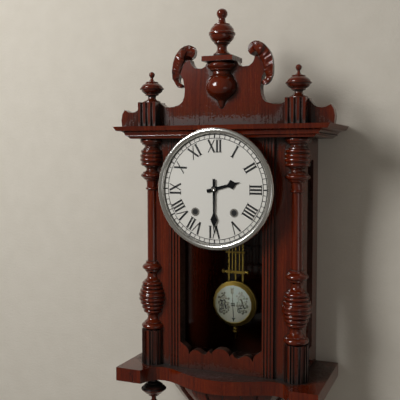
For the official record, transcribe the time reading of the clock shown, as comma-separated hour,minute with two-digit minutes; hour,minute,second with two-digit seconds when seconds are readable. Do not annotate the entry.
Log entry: 2,30
